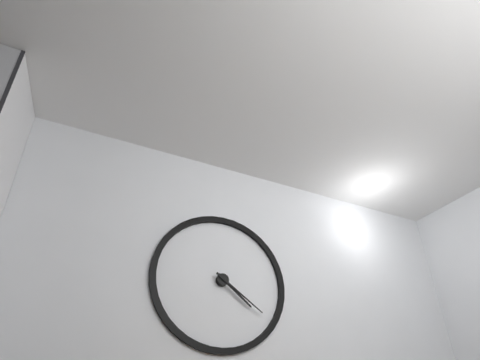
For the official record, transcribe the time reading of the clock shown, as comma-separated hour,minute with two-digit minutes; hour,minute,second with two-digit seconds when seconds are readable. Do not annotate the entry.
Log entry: 4,21
